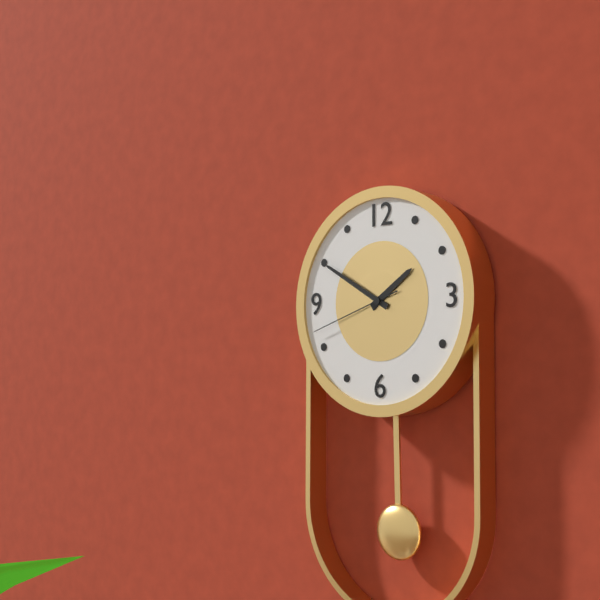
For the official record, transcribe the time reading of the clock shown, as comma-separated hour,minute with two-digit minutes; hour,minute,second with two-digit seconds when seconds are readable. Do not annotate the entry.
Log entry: 1,50,42
